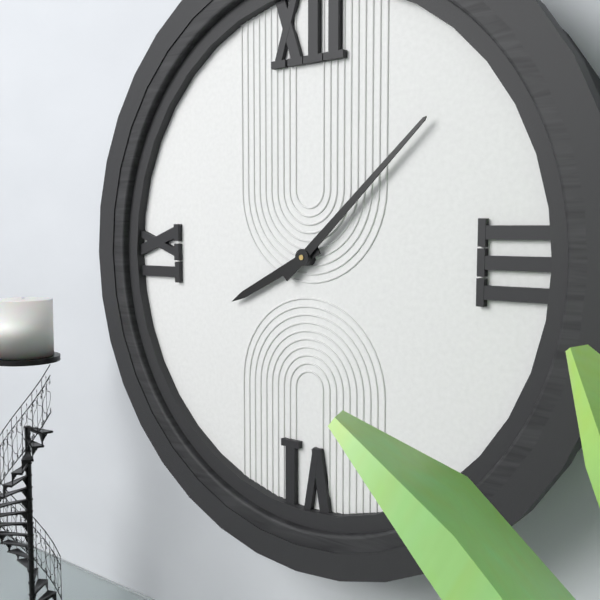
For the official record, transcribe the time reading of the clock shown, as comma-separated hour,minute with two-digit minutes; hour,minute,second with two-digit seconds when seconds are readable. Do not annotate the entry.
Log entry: 8,08
